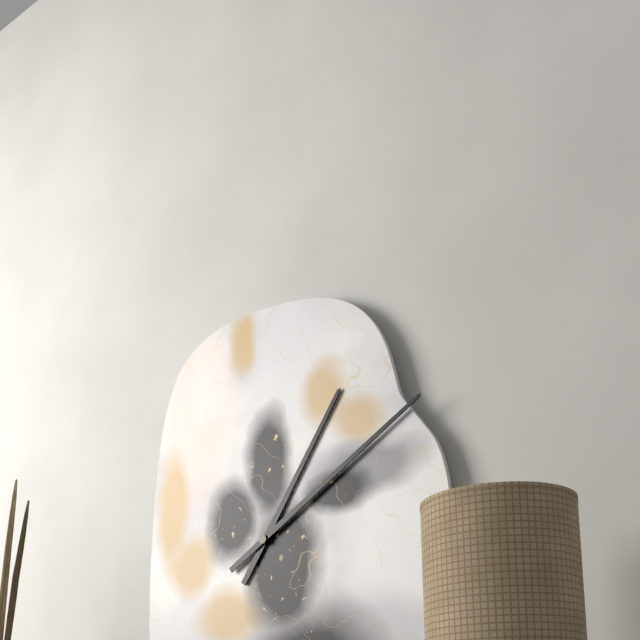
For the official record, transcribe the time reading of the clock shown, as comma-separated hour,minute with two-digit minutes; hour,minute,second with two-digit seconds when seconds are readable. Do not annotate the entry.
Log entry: 1,10
